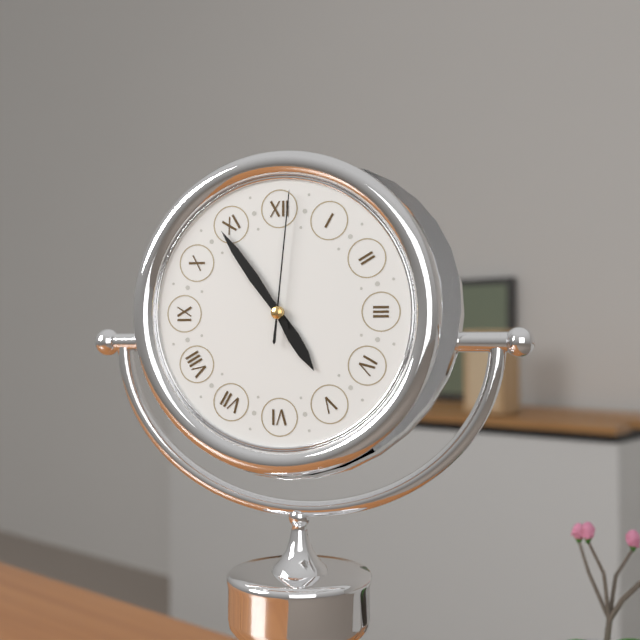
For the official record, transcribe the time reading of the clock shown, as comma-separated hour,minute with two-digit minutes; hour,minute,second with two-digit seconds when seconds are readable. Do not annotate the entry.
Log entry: 4,54,01
